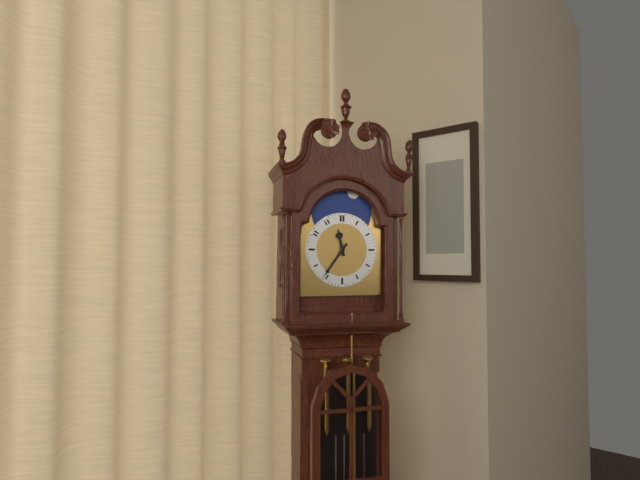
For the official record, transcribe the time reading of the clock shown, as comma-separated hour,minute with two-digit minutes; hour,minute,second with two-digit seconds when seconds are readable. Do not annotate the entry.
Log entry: 11,36
